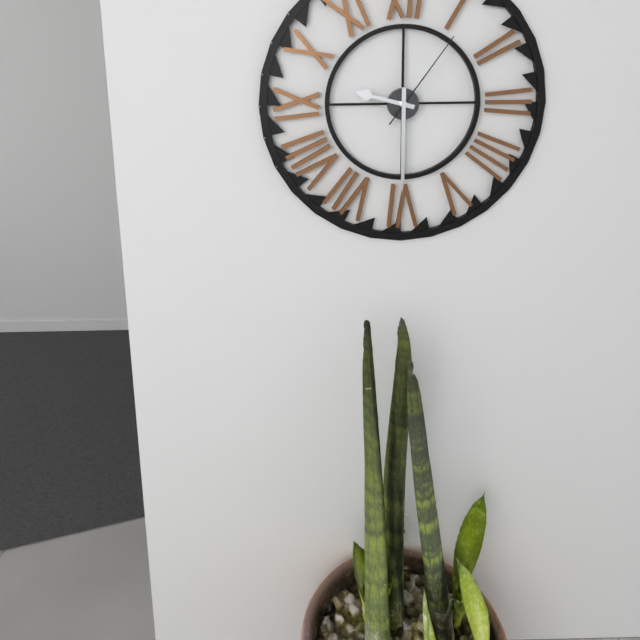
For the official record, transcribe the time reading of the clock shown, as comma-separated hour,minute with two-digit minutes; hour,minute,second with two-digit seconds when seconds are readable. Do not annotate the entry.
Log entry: 9,30,06
